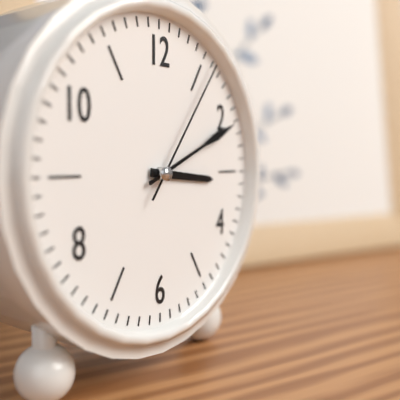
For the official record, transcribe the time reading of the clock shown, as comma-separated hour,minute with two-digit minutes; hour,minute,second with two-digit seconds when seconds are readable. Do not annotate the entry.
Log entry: 3,11,06
